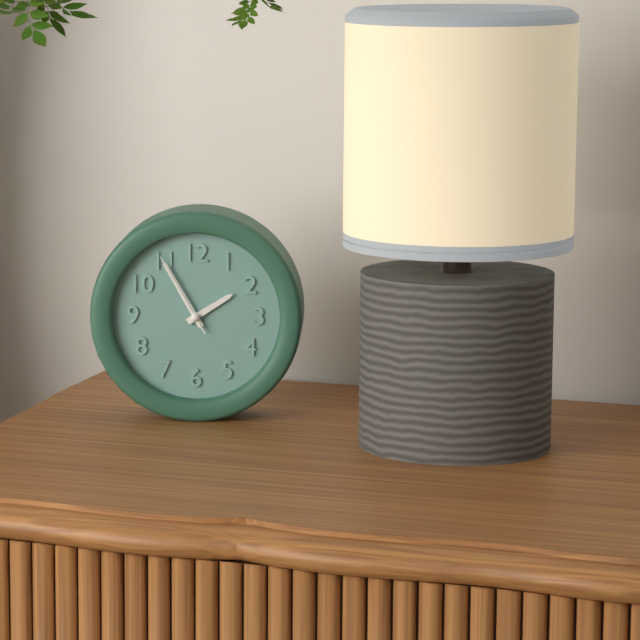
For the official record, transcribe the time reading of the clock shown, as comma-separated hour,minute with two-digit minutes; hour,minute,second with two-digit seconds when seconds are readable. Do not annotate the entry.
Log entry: 1,55,55
